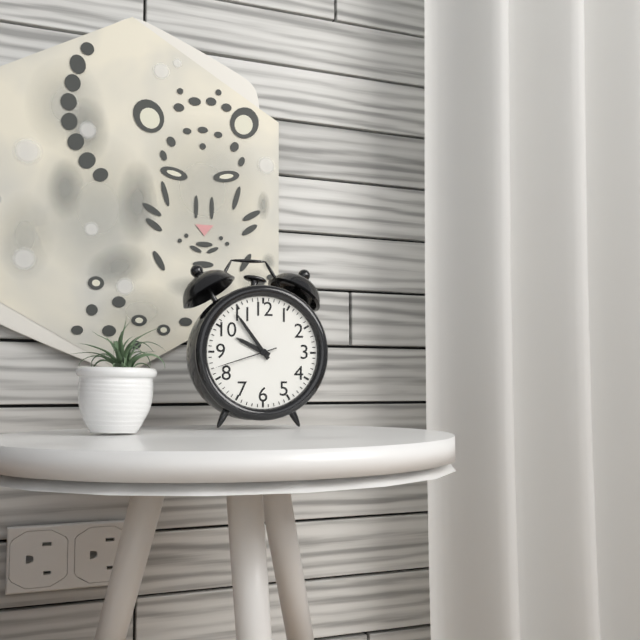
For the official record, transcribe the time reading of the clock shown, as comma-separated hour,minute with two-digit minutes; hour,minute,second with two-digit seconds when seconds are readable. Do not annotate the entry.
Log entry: 9,54,42
